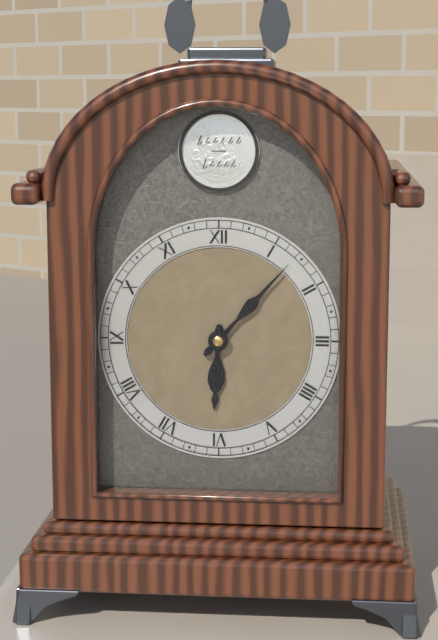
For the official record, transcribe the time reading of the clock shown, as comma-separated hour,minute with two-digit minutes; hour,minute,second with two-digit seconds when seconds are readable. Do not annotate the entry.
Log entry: 6,07
